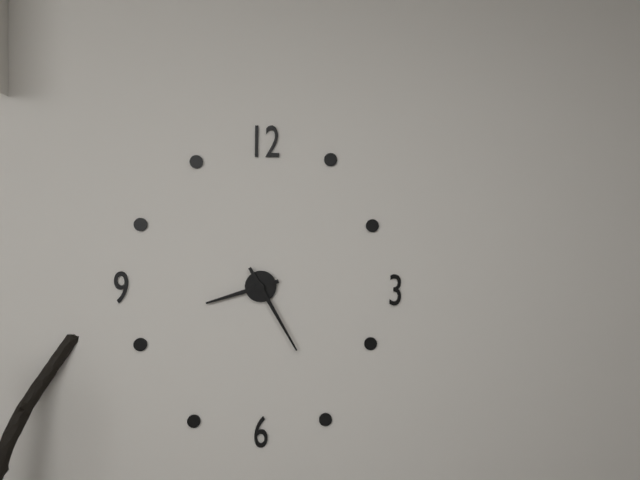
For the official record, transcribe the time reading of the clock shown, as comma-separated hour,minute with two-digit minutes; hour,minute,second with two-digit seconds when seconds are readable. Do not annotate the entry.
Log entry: 8,25
